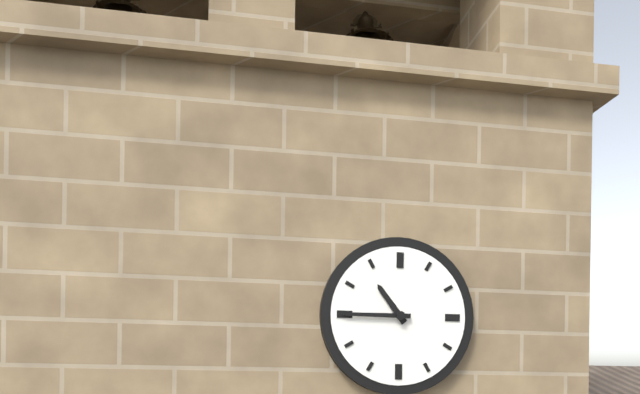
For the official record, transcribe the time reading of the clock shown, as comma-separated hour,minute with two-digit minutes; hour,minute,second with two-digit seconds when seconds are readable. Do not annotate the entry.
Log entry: 10,45
